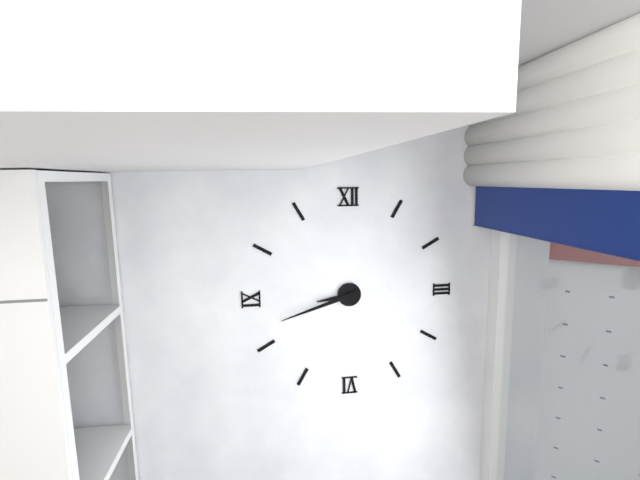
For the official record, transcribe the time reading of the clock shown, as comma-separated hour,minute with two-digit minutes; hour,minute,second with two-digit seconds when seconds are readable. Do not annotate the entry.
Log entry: 8,42
